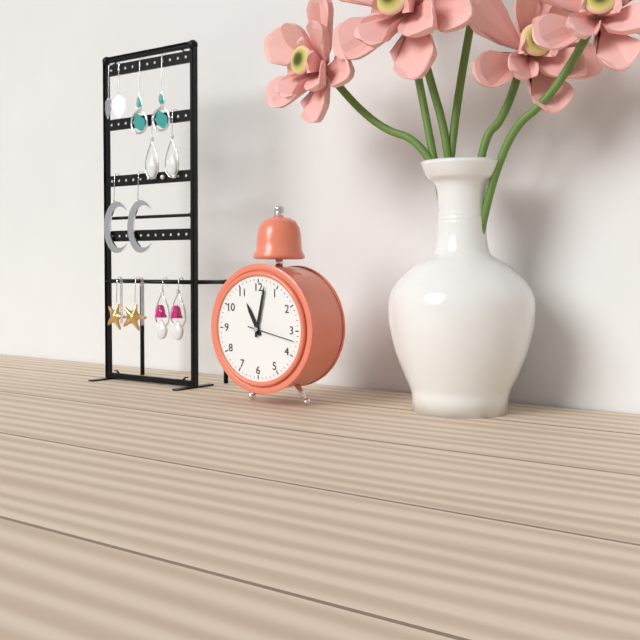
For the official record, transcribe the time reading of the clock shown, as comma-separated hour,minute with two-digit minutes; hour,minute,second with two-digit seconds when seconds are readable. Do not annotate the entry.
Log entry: 11,02
